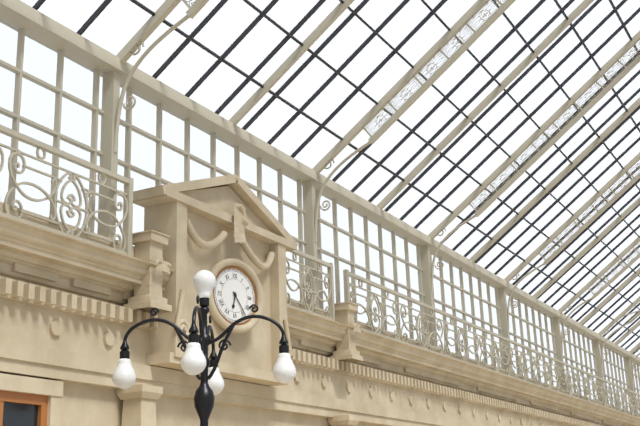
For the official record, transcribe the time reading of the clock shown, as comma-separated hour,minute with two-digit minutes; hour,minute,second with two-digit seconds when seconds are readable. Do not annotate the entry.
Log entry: 6,24
